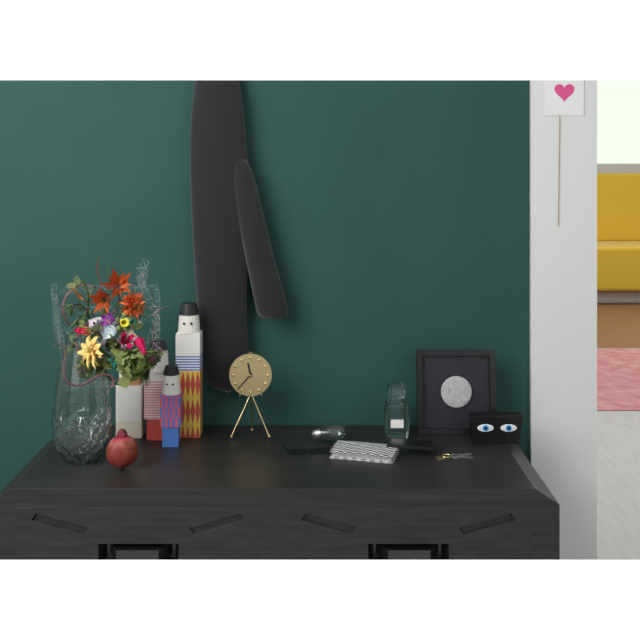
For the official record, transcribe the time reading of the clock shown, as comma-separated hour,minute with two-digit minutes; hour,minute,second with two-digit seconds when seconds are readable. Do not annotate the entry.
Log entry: 11,37
